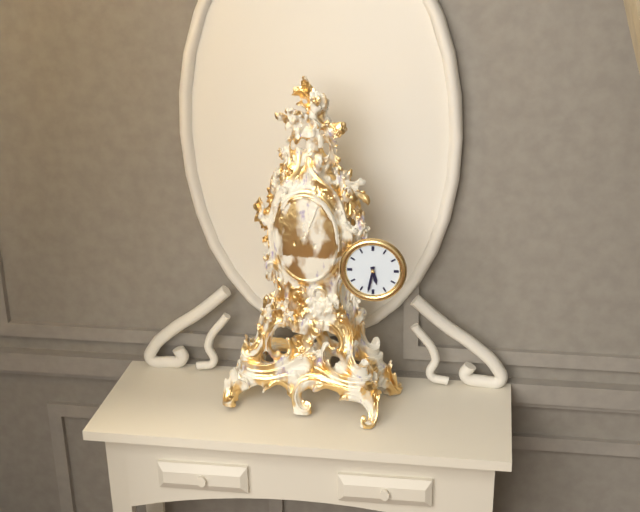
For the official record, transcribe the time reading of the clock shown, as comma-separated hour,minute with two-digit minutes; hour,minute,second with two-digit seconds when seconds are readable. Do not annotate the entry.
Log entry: 5,32
